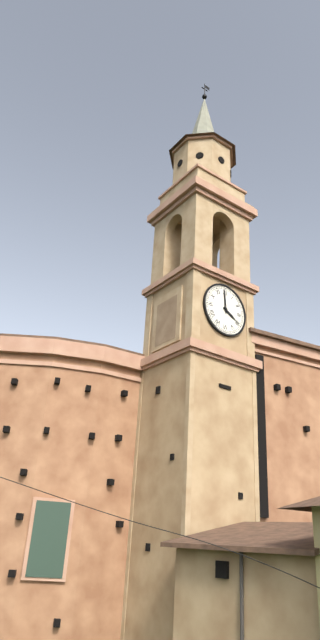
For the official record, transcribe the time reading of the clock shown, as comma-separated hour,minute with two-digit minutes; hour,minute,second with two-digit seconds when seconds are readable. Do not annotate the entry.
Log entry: 3,59
